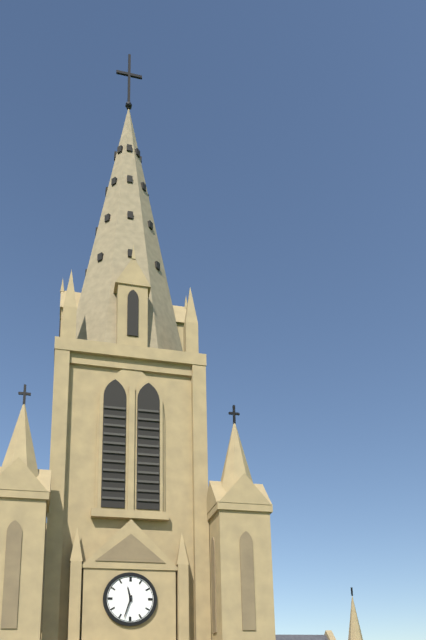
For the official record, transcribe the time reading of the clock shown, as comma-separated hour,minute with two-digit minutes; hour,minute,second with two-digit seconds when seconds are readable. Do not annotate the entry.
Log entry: 11,33
